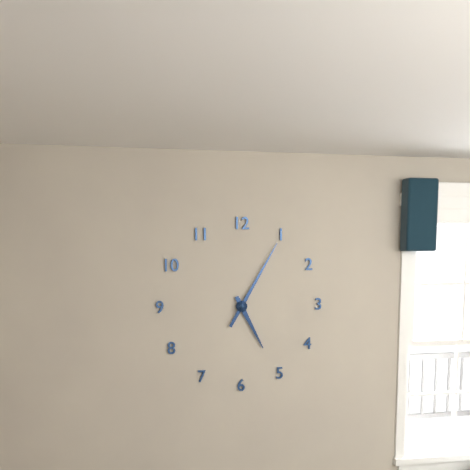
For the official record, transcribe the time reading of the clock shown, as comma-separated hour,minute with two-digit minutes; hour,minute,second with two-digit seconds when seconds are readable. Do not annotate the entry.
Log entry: 5,05
